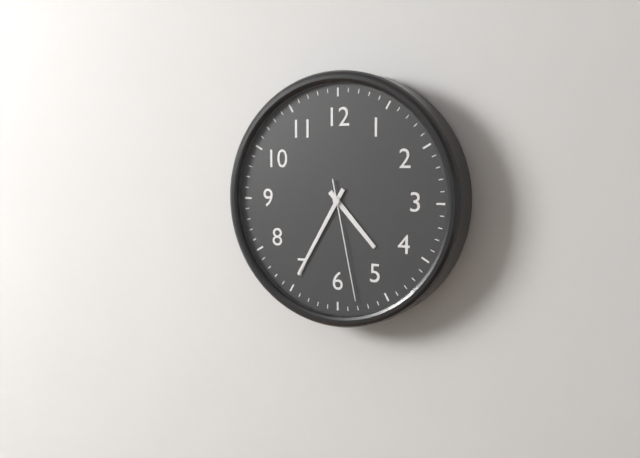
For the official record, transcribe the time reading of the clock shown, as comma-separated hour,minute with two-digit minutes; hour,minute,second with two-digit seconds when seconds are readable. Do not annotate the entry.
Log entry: 4,35,28
